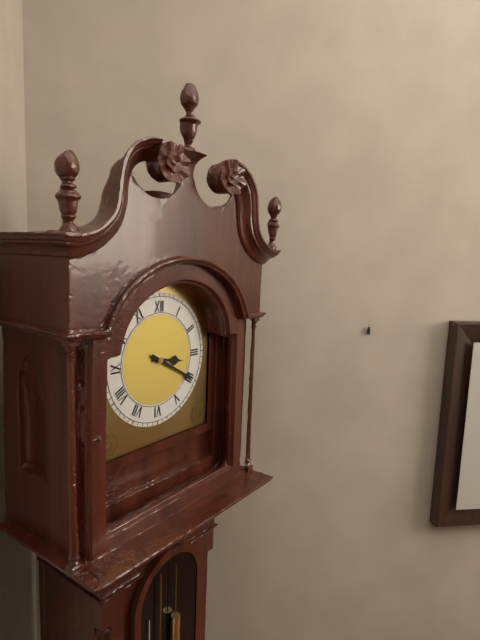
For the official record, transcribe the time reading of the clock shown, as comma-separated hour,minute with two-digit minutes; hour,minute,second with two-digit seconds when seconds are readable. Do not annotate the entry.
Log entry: 3,20
